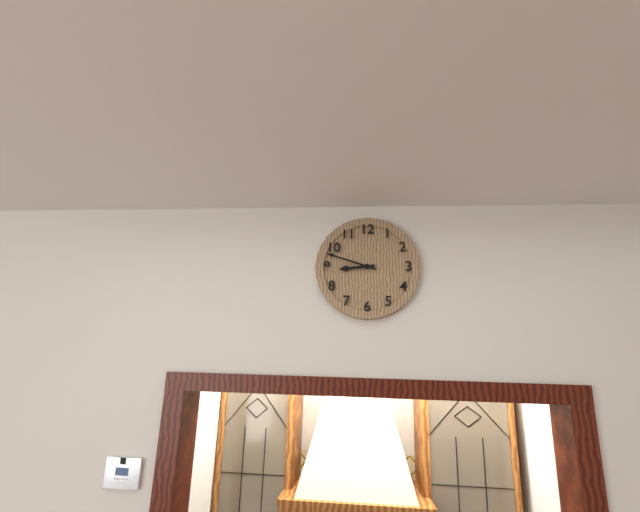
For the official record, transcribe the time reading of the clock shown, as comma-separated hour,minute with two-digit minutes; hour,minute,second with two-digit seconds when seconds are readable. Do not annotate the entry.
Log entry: 8,48
